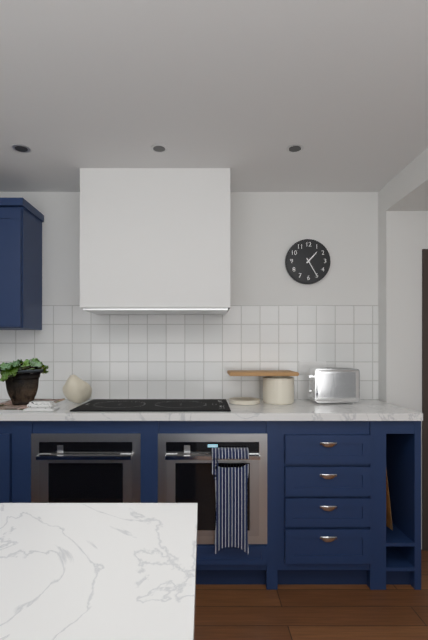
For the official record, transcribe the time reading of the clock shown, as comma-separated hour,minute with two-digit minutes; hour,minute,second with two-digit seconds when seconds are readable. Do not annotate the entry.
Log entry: 1,25
